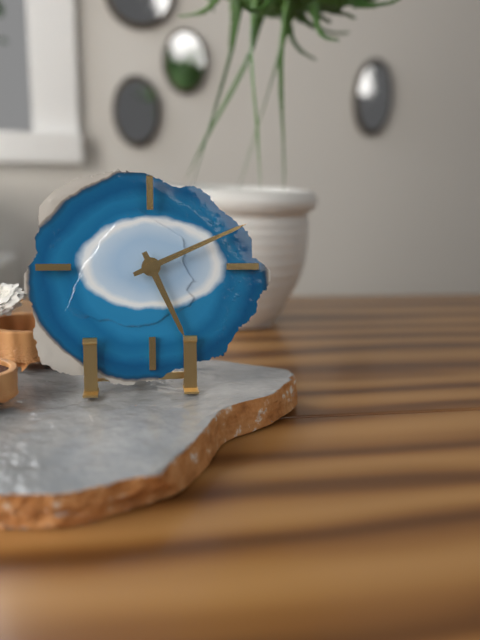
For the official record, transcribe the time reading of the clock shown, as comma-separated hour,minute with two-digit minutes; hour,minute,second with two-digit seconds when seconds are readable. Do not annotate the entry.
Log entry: 5,11
